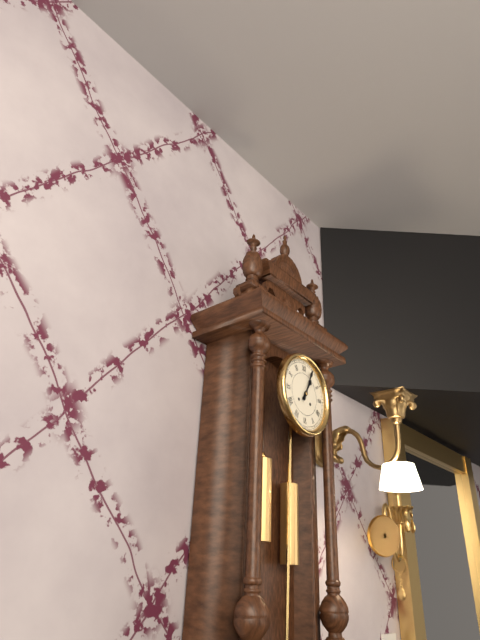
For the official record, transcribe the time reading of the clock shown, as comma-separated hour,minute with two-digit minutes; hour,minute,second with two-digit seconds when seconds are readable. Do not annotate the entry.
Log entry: 1,04
